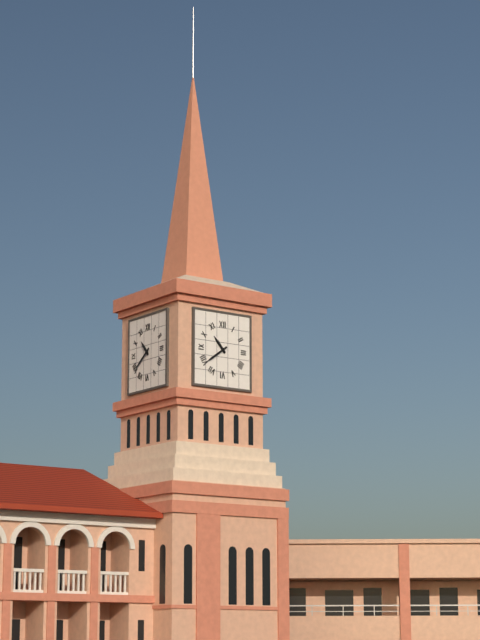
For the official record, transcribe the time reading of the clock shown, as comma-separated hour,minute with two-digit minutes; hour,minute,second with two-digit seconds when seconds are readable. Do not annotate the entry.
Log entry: 10,39
